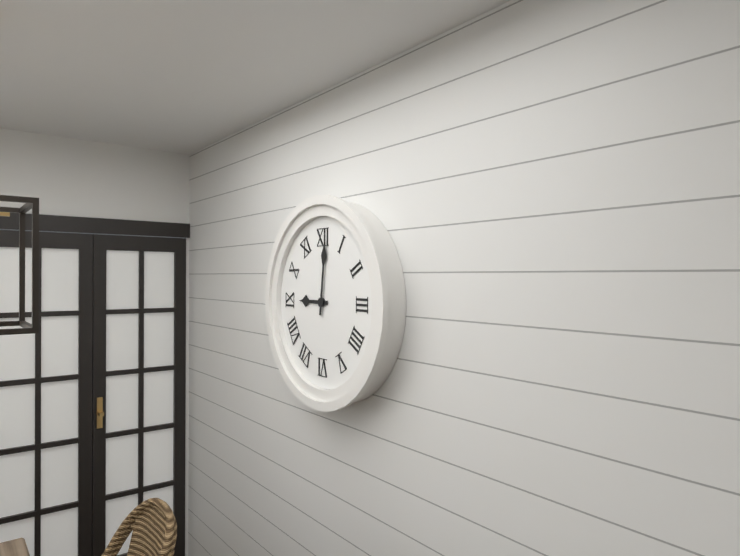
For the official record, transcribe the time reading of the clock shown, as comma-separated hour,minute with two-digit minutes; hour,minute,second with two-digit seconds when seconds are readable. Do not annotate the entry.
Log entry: 9,01
